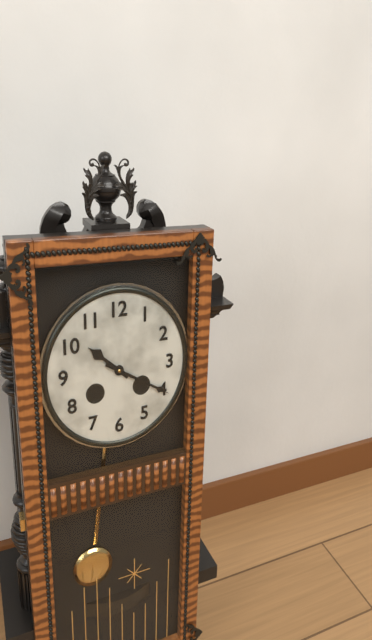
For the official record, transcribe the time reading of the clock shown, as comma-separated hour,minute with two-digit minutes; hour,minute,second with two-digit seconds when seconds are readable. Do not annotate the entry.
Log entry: 10,20
